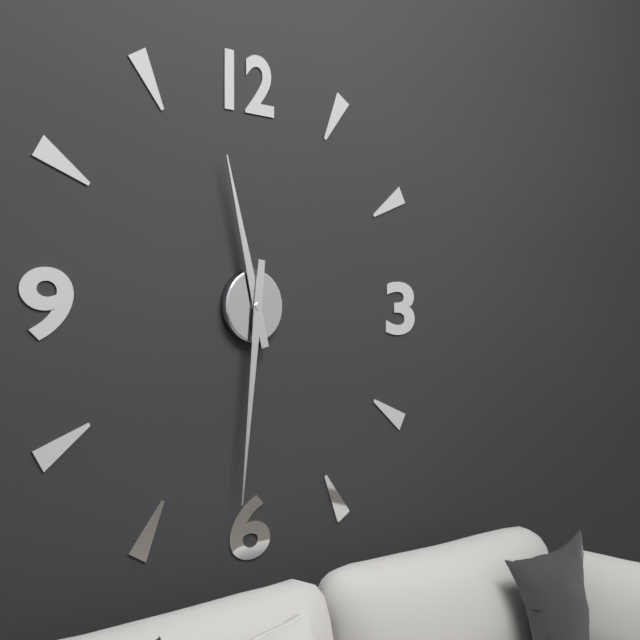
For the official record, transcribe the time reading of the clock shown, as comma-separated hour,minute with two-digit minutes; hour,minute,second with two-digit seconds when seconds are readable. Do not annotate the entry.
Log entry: 11,31
